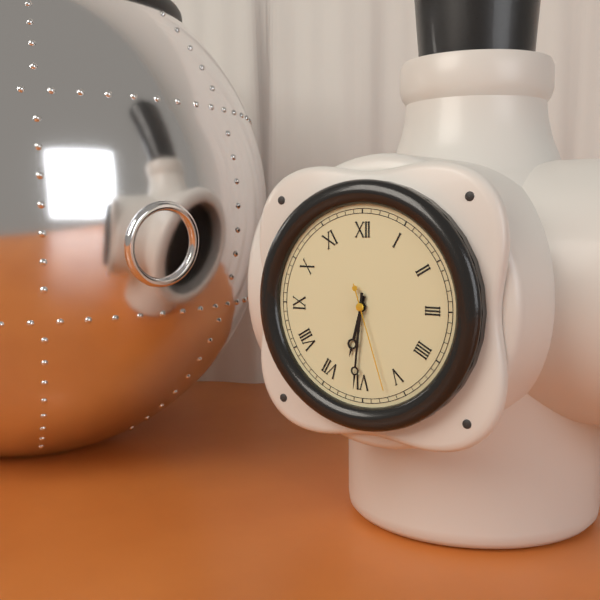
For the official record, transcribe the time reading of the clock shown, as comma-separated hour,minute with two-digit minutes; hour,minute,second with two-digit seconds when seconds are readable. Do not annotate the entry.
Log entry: 6,31,27
